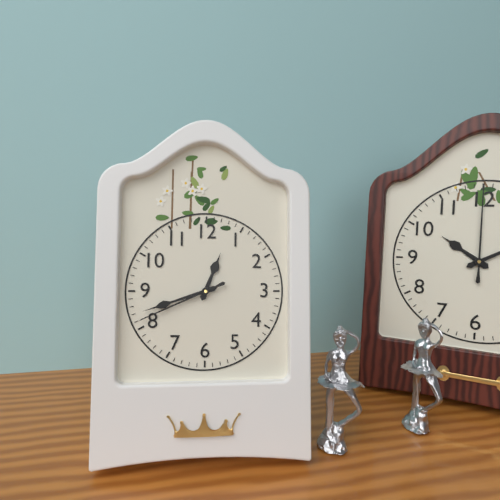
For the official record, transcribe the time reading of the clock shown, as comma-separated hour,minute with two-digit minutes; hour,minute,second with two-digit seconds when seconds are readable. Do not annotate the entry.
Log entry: 12,42,41
